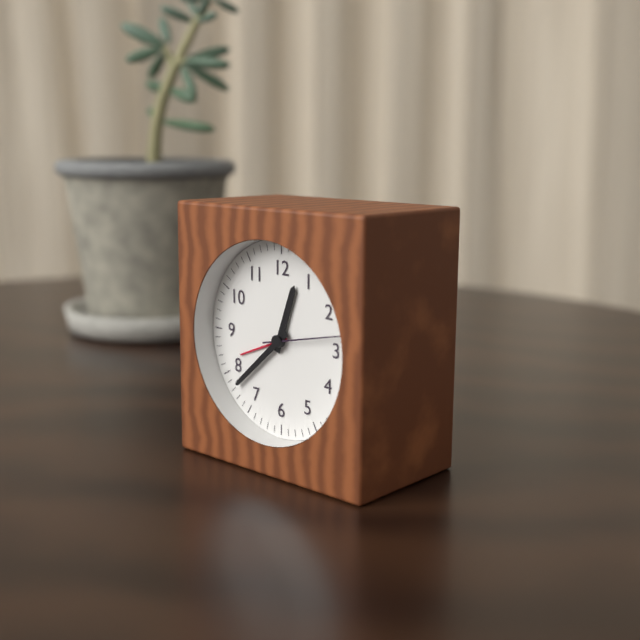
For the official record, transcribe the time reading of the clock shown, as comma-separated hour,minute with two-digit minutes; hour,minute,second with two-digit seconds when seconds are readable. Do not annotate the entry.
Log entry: 12,38,13
